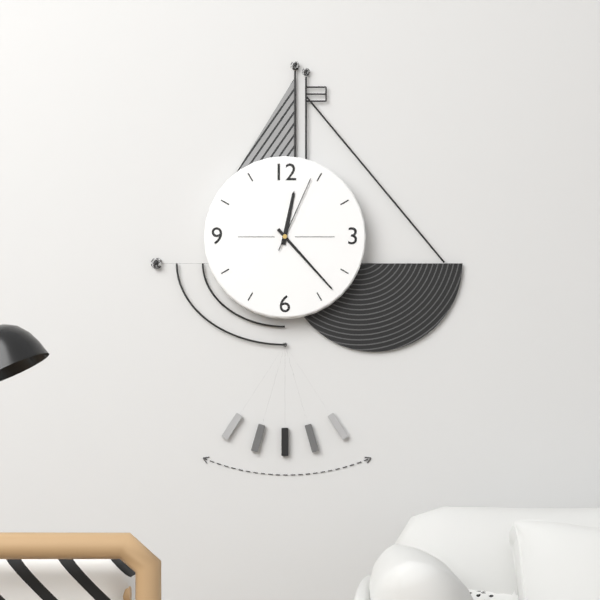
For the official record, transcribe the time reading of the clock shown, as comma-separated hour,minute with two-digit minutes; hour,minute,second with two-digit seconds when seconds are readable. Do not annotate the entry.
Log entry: 12,23,04
